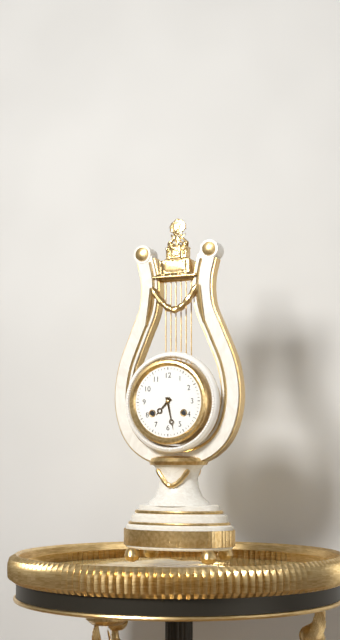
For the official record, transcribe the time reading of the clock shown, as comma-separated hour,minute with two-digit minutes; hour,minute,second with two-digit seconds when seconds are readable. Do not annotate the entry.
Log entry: 7,28
